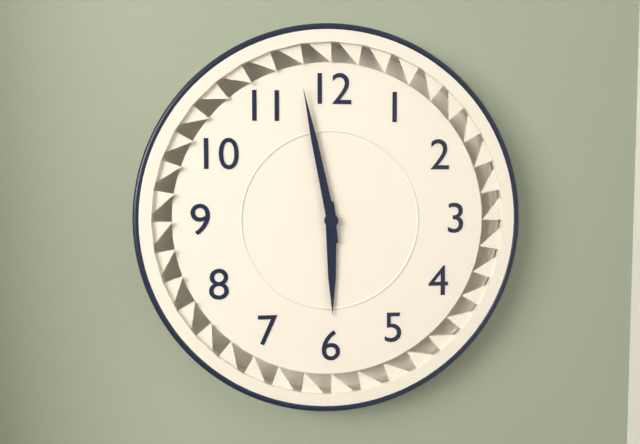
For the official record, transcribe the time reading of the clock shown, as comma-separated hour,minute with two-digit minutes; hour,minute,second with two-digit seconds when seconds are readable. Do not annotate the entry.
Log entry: 5,58
